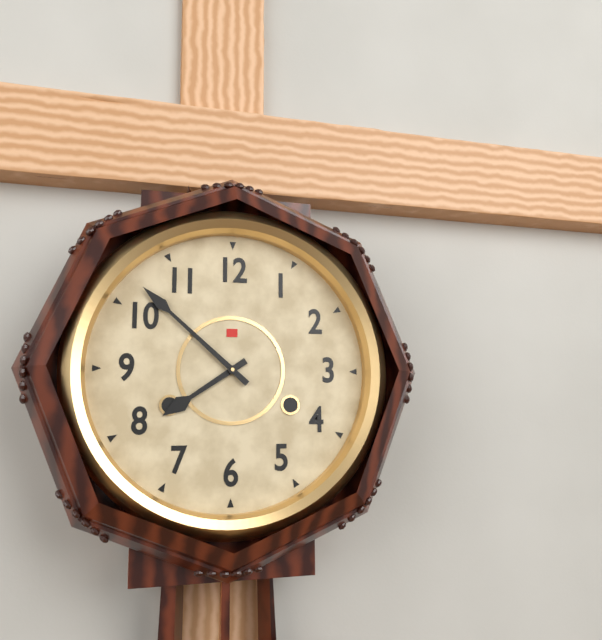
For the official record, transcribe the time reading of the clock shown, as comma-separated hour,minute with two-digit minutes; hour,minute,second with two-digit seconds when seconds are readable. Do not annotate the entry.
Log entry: 7,52
